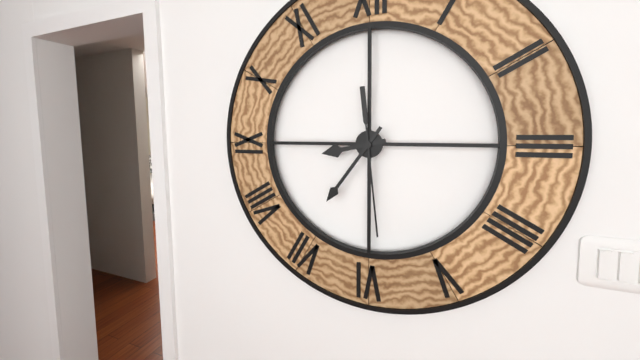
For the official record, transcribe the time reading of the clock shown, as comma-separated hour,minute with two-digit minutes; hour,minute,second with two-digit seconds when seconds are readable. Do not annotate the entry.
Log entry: 8,36,29
